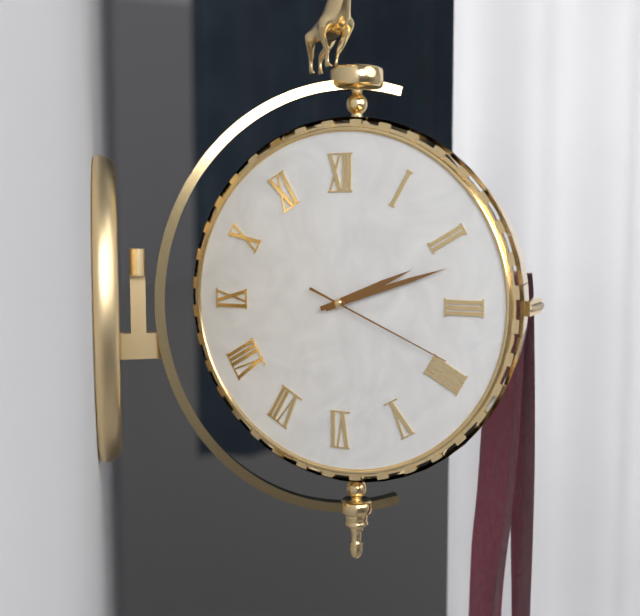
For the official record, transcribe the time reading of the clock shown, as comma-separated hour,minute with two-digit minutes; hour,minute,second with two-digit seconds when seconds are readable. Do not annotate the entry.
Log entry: 2,12,19
